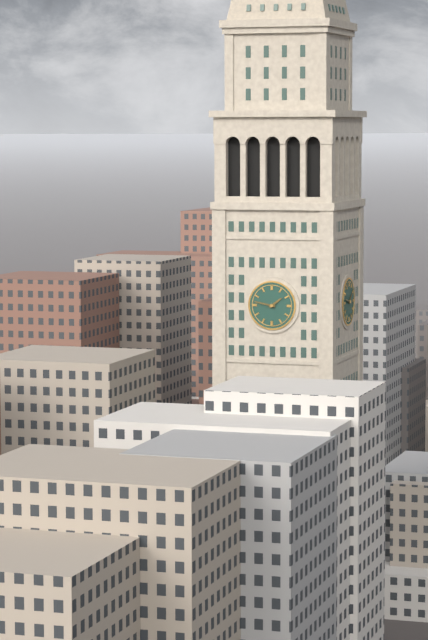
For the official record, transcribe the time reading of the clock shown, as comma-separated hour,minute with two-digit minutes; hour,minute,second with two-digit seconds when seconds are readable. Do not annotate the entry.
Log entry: 1,47
